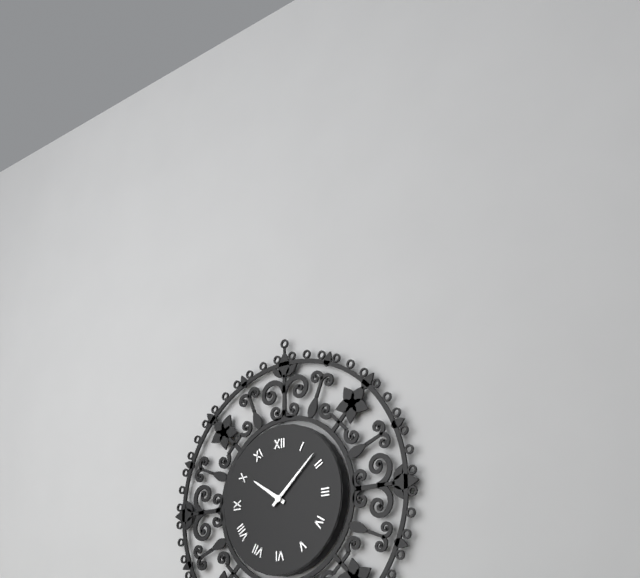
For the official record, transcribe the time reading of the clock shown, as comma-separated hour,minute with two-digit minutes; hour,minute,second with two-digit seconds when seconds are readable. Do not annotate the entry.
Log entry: 10,08
